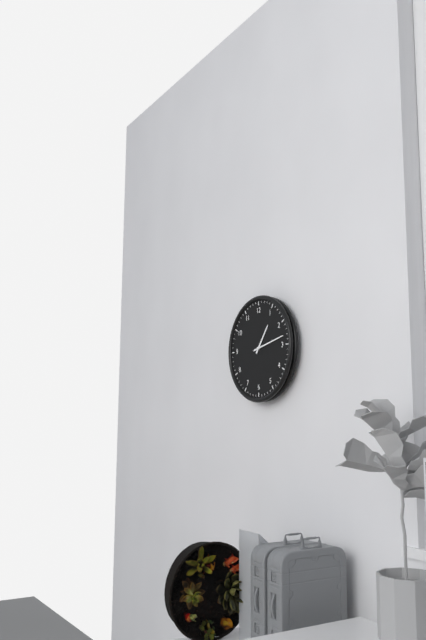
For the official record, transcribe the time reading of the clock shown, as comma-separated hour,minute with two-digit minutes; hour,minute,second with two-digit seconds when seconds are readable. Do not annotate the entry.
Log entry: 1,13
